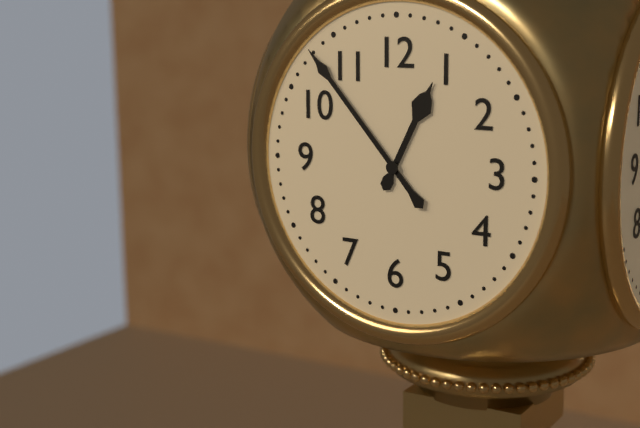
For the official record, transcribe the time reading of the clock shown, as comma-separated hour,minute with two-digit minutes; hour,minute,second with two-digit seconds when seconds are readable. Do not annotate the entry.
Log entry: 12,53
